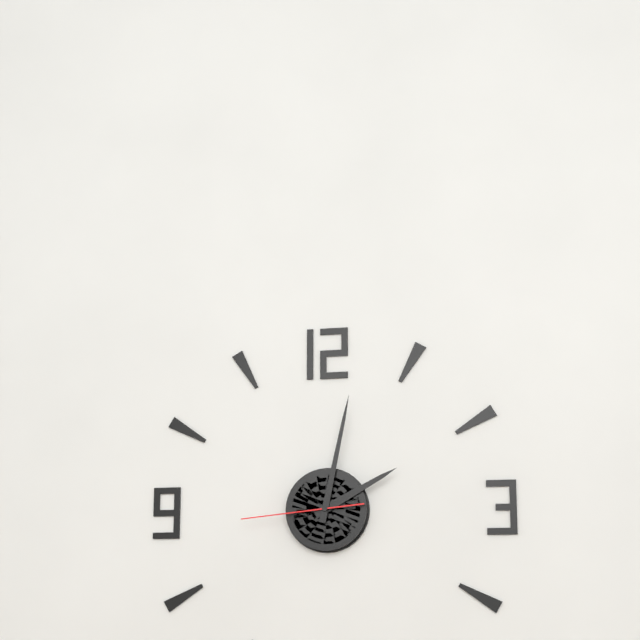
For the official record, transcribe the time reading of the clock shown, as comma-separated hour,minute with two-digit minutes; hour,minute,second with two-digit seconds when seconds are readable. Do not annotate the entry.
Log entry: 2,02,44
